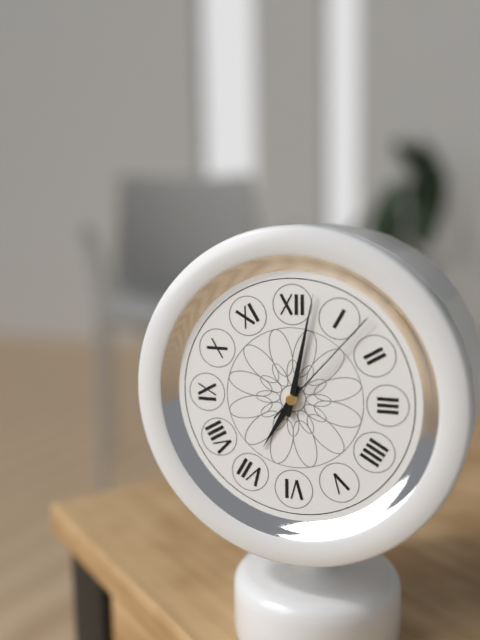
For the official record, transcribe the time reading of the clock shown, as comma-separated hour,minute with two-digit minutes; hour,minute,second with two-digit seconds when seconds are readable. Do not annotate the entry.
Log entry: 7,02,07
